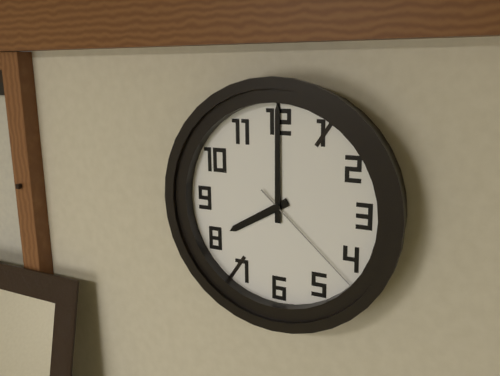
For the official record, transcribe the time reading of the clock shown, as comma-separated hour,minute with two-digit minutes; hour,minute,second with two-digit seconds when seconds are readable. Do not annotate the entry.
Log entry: 8,00,22
